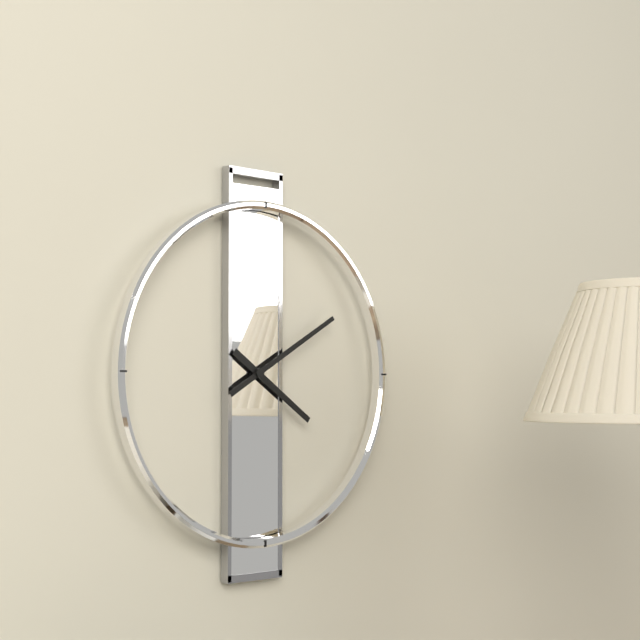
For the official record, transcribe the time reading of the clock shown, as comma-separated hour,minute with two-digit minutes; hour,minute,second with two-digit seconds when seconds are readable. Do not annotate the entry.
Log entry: 4,10
